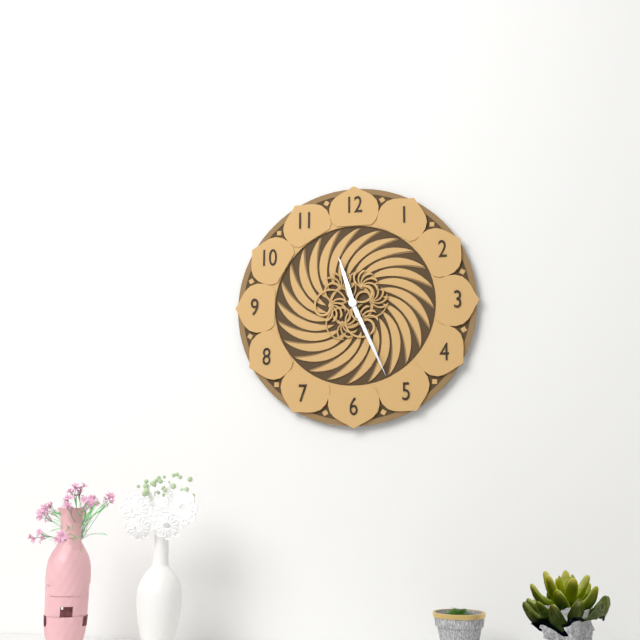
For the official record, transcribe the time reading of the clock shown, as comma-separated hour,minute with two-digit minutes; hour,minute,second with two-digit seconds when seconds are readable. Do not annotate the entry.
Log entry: 11,26
